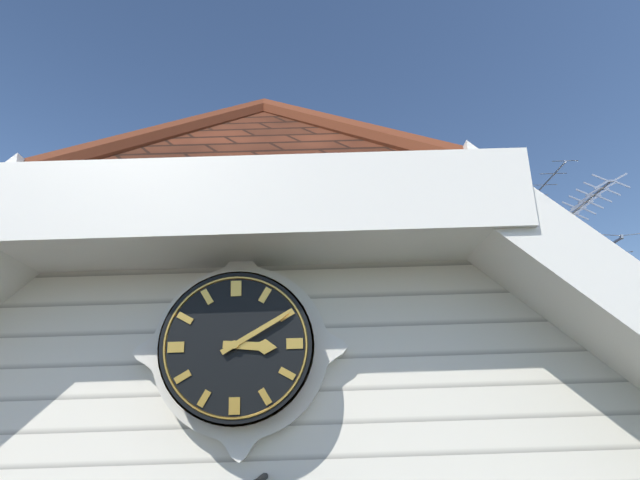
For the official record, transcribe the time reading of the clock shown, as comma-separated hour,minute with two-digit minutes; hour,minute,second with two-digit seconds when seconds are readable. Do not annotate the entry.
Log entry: 3,10
